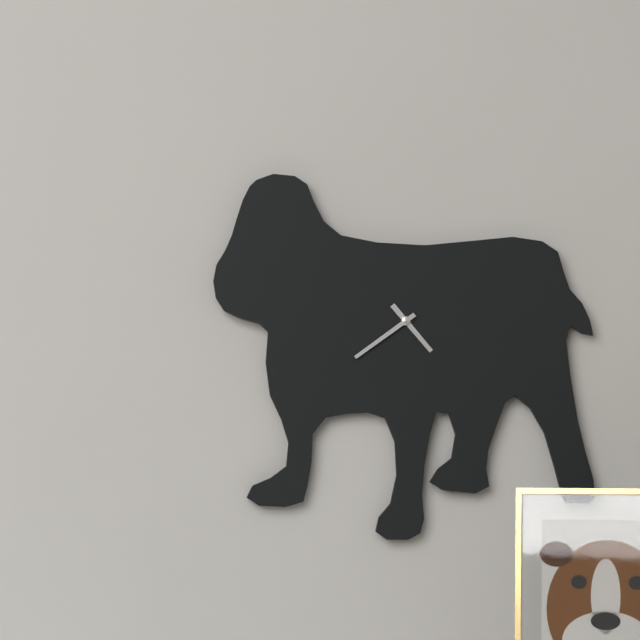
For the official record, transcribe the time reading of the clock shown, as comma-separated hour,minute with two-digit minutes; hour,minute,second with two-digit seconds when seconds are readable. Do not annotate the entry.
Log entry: 4,39
